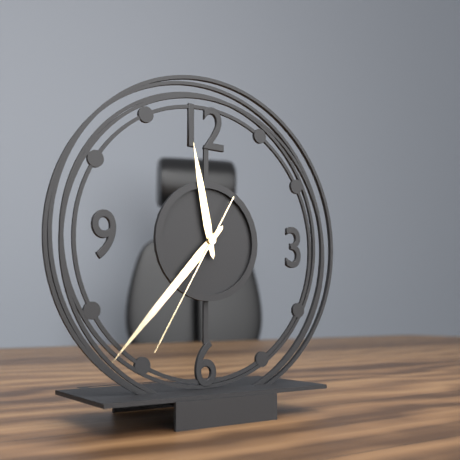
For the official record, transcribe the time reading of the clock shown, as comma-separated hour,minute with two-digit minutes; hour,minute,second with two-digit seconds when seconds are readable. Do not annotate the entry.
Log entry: 11,37,35
